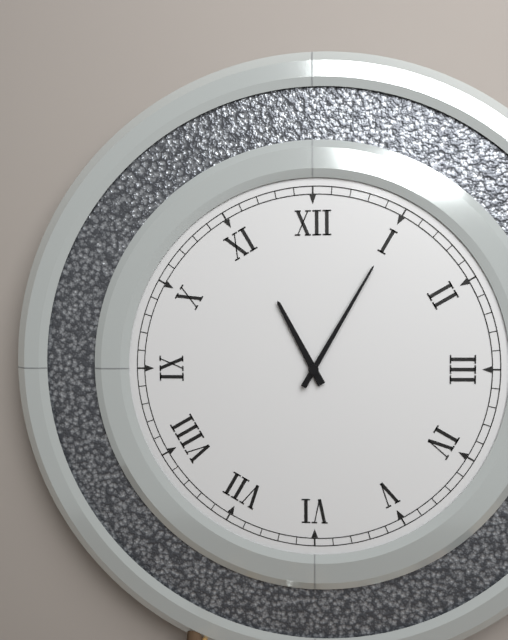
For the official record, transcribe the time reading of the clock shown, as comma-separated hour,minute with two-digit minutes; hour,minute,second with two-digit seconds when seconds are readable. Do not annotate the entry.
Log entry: 11,05
